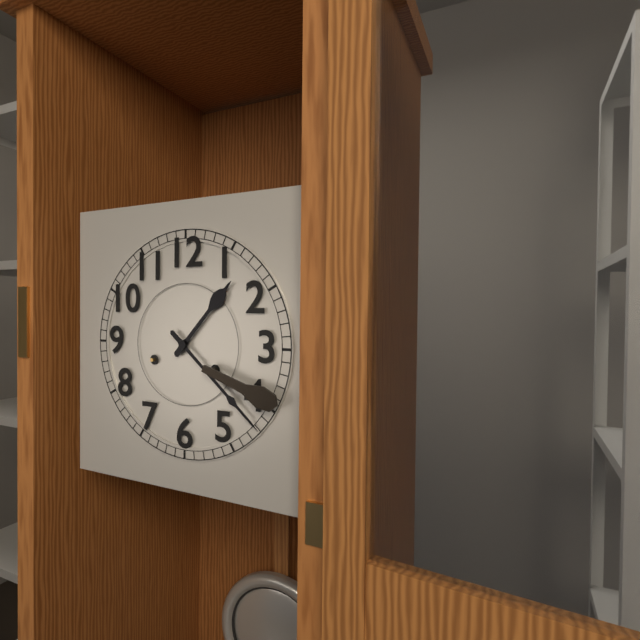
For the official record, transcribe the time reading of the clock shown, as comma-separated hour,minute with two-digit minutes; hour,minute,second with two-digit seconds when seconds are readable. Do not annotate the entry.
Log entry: 1,22
